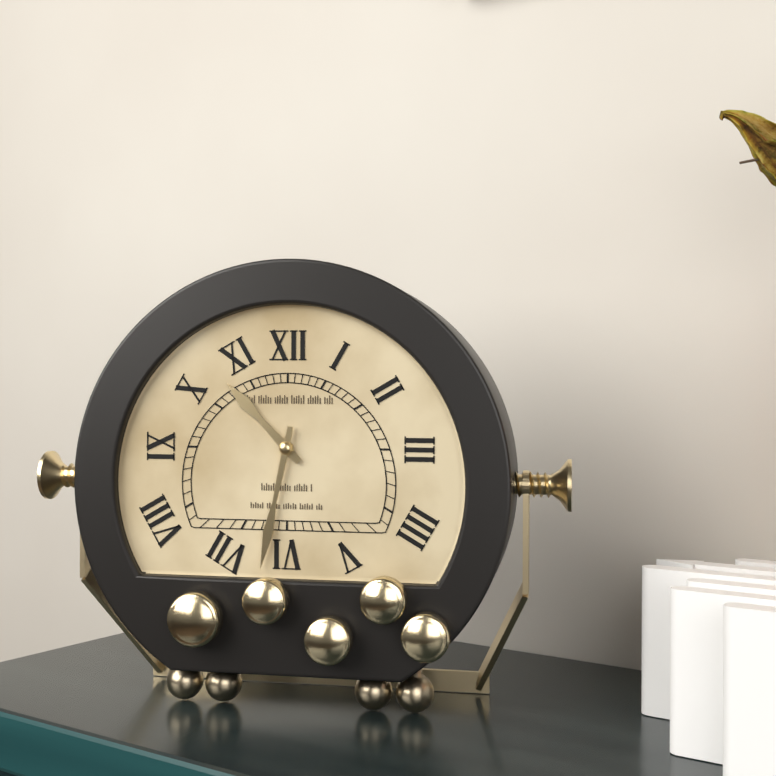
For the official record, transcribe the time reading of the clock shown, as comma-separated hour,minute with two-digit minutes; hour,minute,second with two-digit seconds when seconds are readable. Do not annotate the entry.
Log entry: 10,32
